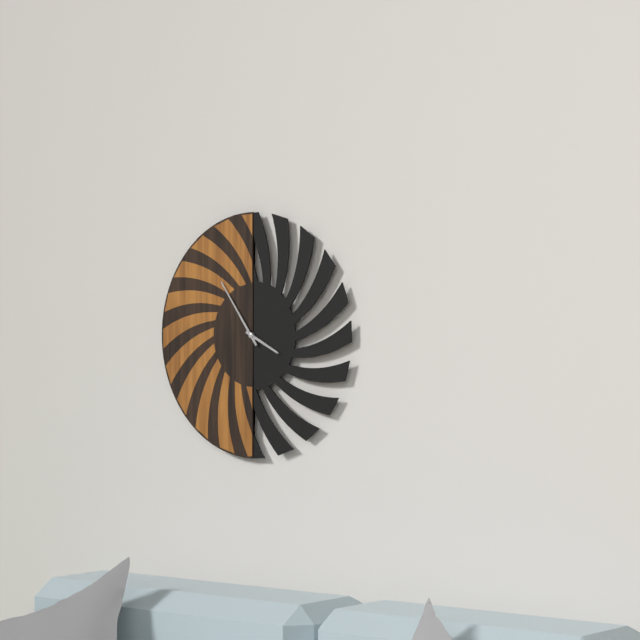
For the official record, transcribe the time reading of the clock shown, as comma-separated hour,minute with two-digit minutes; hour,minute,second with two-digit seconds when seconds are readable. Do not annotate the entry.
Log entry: 3,54
